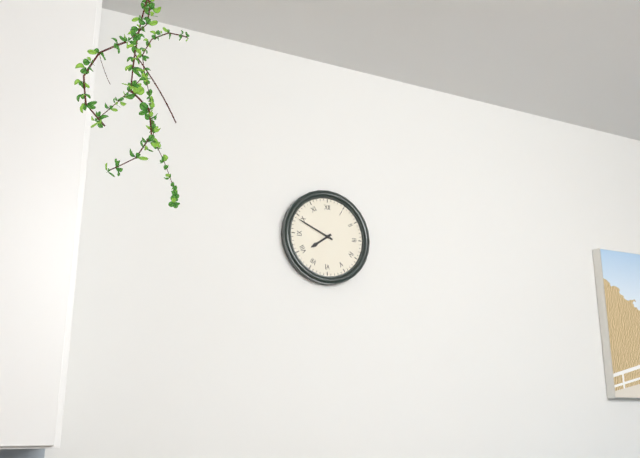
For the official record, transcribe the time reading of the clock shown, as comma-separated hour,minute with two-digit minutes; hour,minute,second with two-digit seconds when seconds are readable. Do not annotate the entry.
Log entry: 7,49
